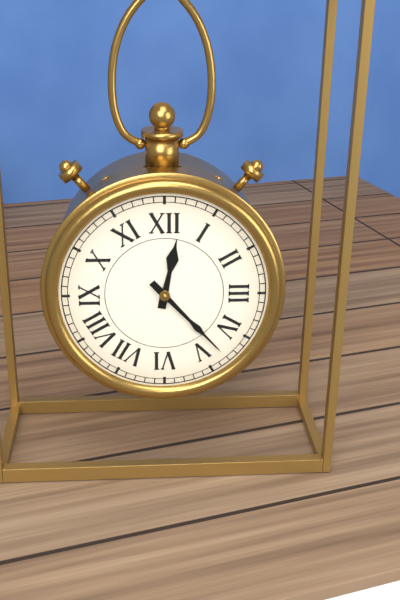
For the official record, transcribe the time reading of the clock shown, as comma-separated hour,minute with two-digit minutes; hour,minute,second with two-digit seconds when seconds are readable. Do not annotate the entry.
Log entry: 12,23
